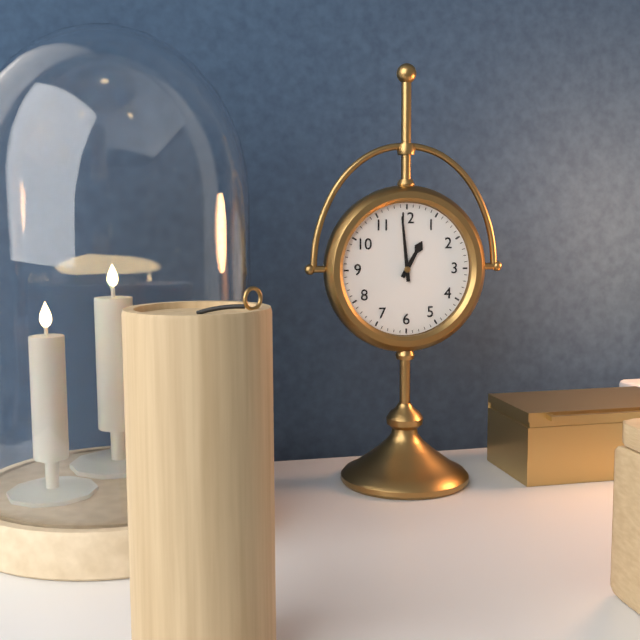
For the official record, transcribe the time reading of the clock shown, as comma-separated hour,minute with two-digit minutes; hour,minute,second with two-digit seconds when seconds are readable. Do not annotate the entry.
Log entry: 12,59
